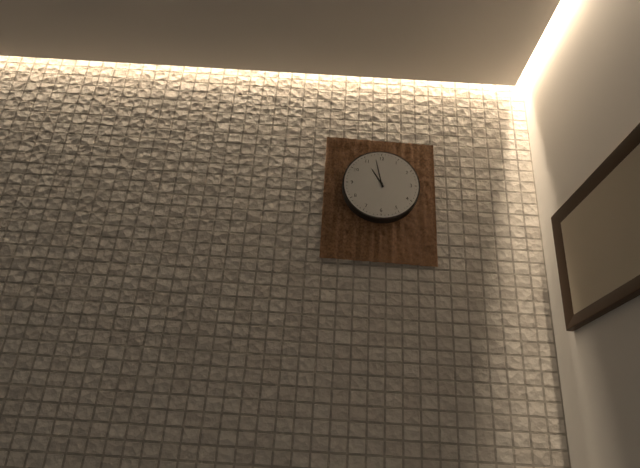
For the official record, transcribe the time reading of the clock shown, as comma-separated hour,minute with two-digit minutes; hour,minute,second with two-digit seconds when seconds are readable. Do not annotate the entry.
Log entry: 10,58
